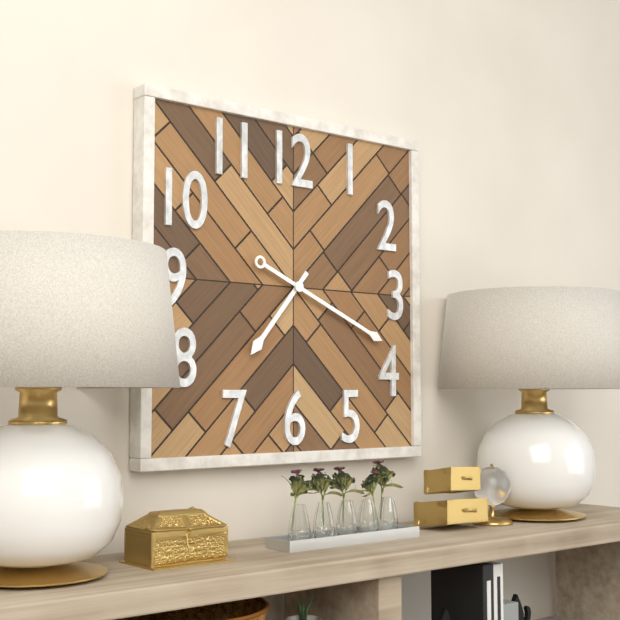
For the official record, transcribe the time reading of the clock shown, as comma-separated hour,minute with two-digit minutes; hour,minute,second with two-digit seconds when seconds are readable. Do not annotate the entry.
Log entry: 7,19
